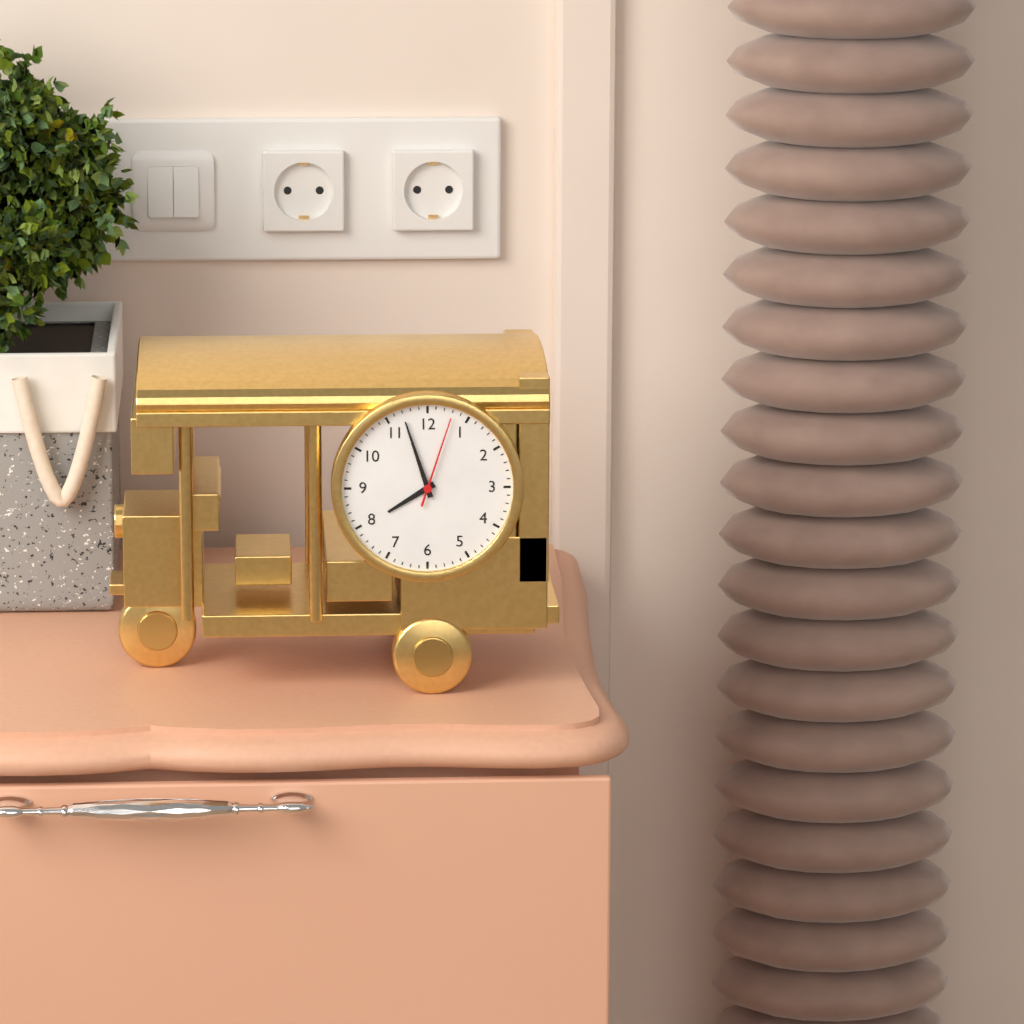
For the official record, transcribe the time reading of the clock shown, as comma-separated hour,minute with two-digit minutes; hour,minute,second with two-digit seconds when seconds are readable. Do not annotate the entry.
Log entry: 7,57,03
